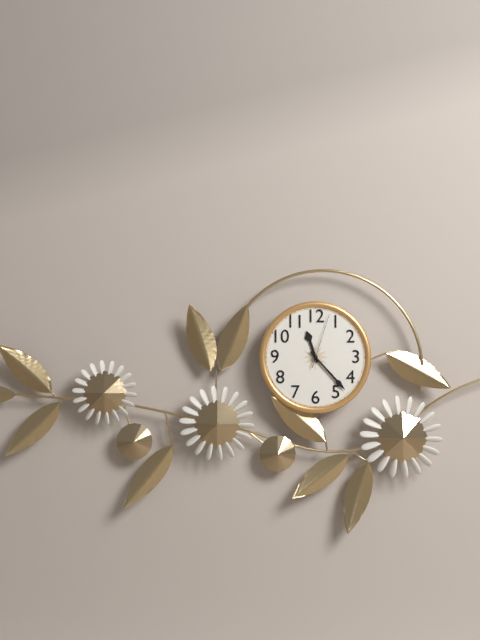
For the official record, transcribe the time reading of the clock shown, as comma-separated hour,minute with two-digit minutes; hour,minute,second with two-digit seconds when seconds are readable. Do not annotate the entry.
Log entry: 11,23,03
